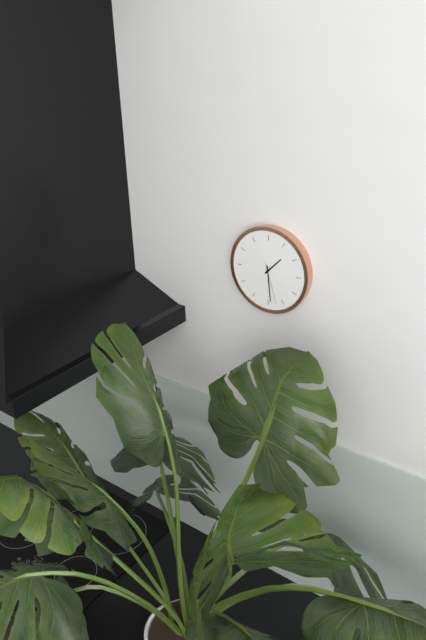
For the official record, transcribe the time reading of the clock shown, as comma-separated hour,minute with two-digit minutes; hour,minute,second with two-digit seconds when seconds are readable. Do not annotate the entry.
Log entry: 1,29
